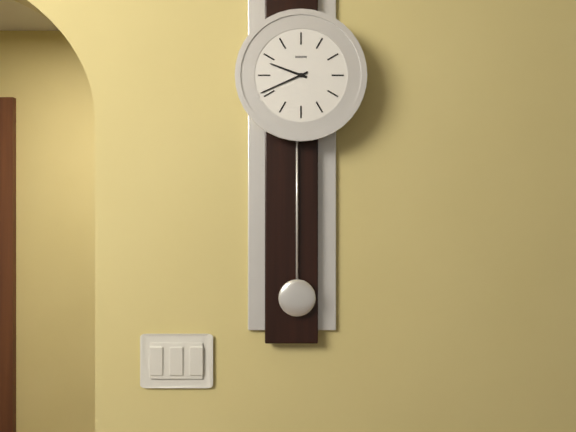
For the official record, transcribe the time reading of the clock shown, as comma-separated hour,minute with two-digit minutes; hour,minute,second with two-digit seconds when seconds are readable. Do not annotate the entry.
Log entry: 9,41
